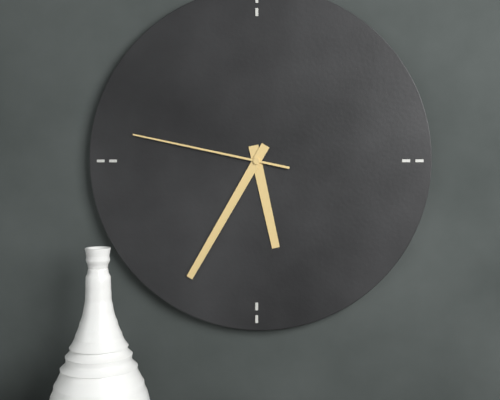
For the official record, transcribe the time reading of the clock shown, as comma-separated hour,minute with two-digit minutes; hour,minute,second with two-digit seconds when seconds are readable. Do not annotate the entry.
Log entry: 5,35,47
